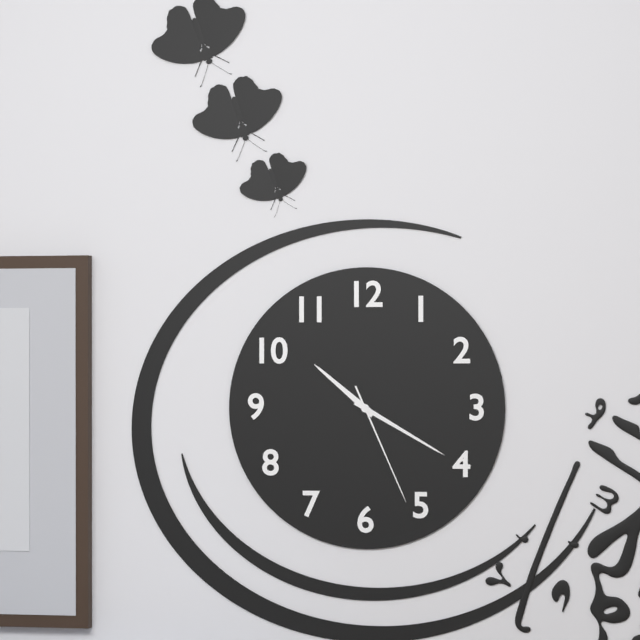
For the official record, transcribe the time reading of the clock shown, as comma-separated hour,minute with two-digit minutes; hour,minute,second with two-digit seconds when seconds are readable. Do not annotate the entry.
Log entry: 10,20,26
